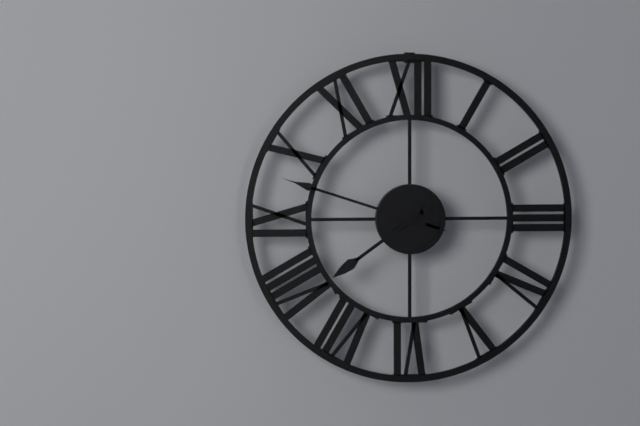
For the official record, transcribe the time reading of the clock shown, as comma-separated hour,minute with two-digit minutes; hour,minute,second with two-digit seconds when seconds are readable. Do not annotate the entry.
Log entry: 7,48
